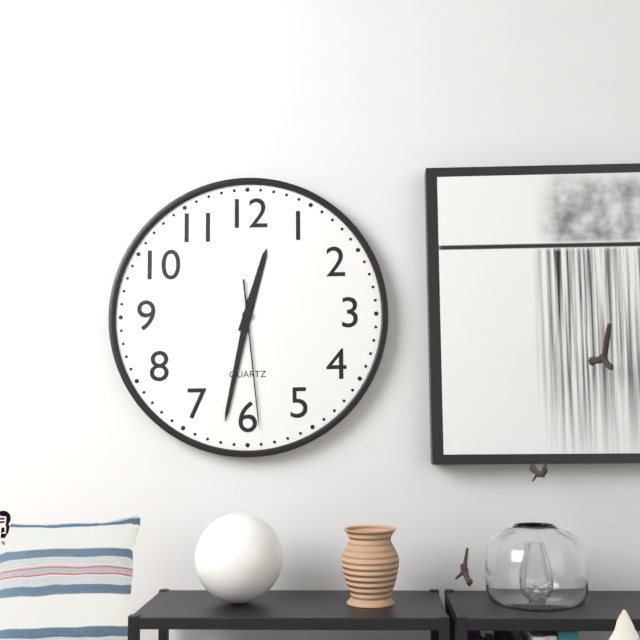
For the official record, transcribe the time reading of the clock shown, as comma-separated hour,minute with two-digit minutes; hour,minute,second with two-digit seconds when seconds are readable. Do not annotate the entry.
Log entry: 12,32,29
